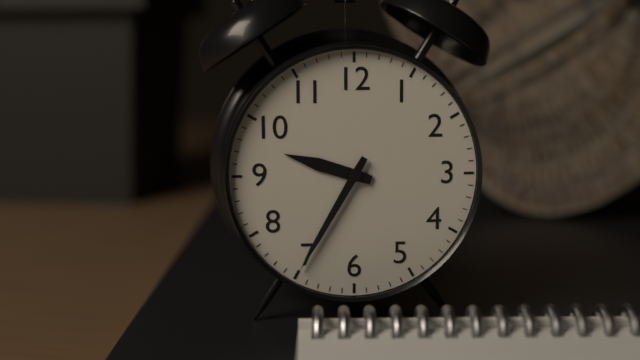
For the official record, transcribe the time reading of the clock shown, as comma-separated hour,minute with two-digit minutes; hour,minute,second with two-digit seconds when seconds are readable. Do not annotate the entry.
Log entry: 9,35
